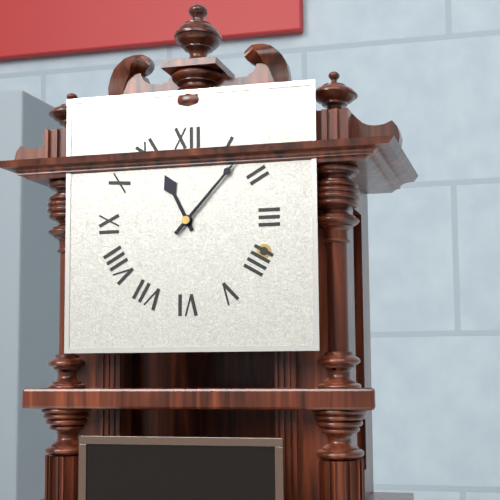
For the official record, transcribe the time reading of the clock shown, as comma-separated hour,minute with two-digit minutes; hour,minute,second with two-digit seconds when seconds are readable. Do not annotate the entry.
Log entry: 11,07
